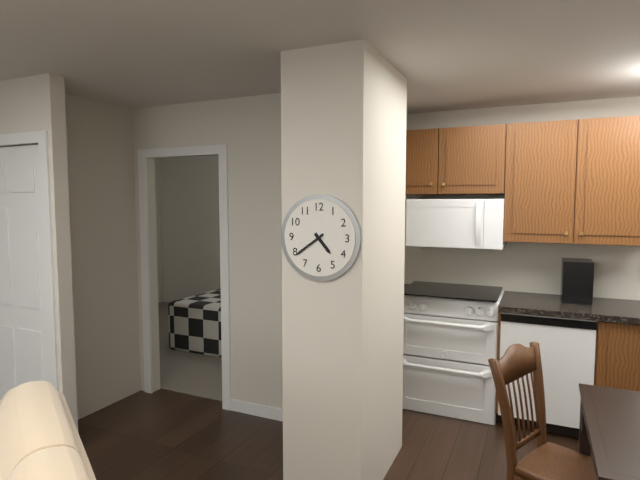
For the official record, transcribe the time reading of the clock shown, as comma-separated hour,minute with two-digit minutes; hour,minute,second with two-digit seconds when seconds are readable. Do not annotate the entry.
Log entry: 4,39
